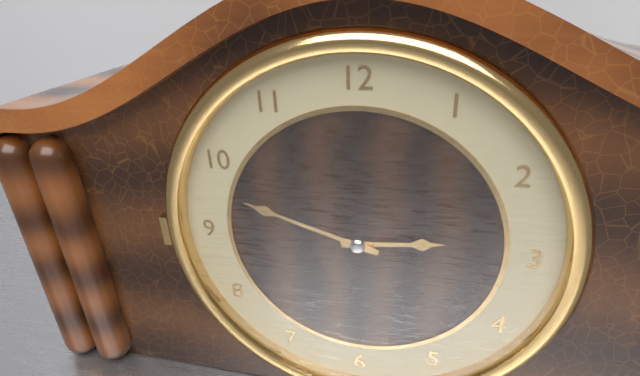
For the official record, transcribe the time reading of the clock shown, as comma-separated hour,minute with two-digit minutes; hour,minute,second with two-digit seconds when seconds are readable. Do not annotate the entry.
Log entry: 2,48
